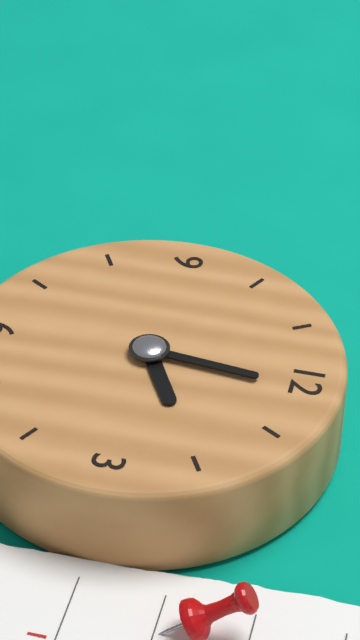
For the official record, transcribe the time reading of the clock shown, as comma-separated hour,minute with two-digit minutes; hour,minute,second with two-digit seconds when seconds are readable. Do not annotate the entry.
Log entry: 2,01
